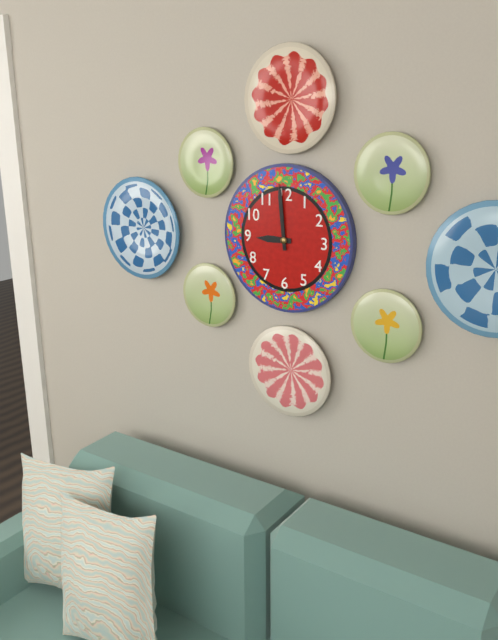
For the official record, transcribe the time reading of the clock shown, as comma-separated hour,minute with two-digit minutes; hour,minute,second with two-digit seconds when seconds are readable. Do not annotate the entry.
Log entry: 8,59
